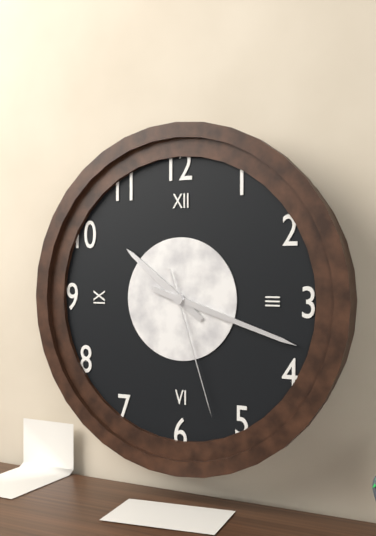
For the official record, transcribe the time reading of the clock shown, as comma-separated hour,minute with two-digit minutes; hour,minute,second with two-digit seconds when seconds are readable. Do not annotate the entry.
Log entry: 10,18,27
